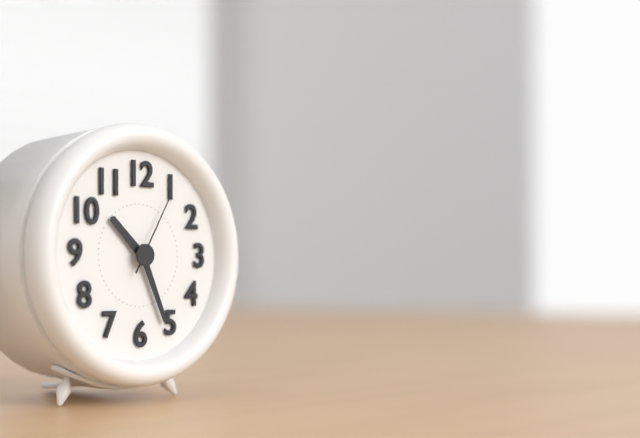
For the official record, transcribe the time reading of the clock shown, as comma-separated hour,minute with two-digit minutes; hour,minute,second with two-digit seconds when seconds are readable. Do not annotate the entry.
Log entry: 10,26,05
